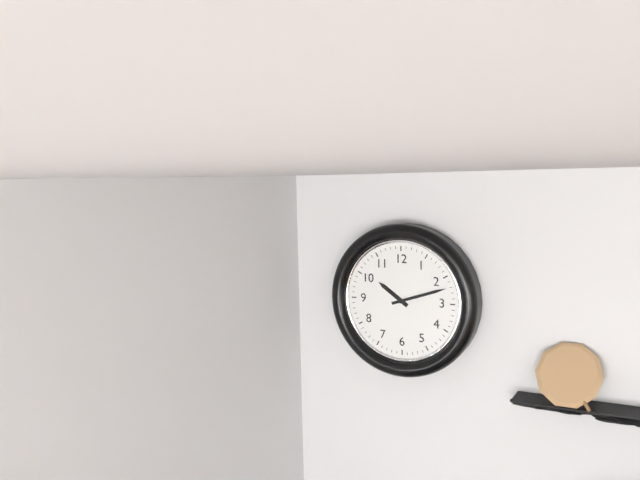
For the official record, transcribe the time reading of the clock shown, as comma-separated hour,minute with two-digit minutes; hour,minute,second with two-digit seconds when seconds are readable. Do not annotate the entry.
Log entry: 10,12
